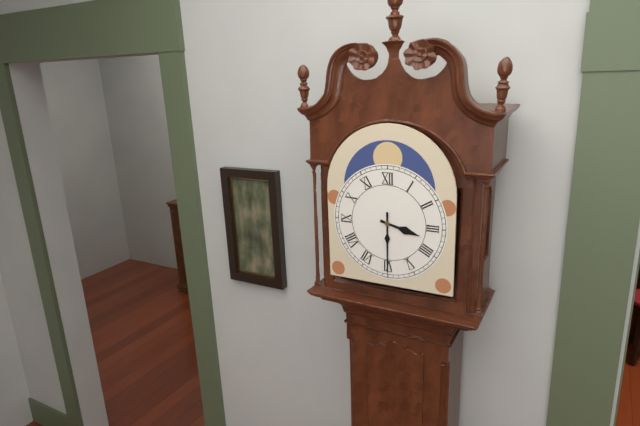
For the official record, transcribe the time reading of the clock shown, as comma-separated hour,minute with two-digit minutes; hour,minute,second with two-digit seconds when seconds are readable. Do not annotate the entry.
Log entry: 3,30
